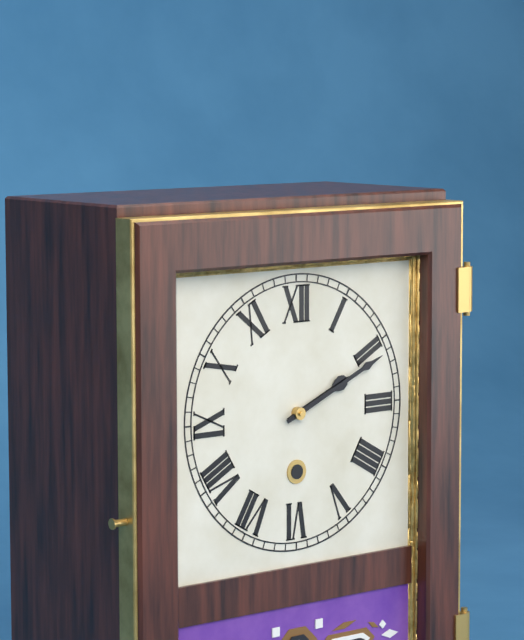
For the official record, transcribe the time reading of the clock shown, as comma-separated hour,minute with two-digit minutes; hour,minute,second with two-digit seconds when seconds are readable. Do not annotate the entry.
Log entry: 2,11
